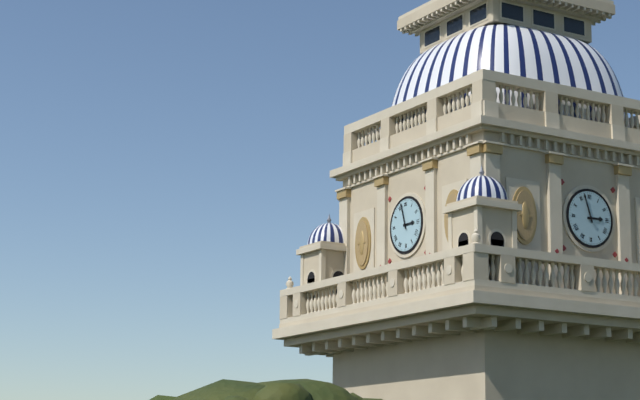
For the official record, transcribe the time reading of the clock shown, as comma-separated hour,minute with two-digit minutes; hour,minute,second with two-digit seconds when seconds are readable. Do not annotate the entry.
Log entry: 2,57
